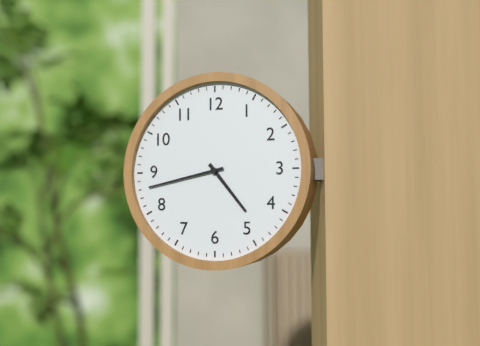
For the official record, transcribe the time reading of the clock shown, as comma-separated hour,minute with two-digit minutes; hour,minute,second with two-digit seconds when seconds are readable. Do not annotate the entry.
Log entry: 4,43
